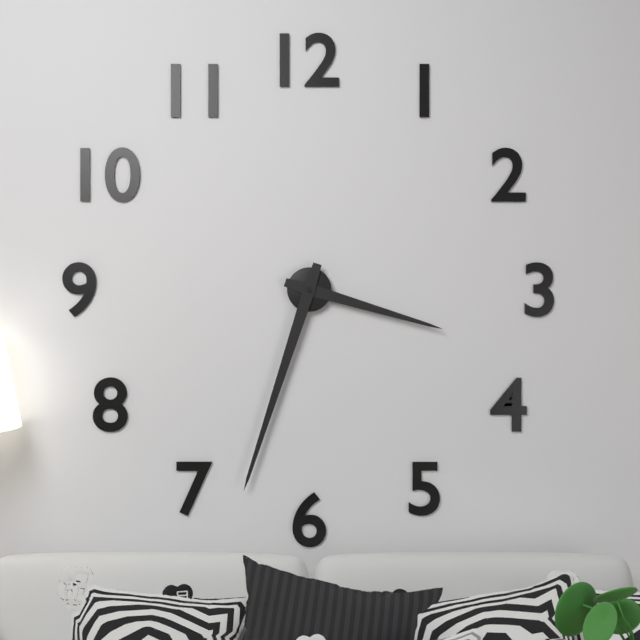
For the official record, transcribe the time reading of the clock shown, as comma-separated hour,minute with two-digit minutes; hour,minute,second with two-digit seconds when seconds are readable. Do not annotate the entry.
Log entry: 3,33
